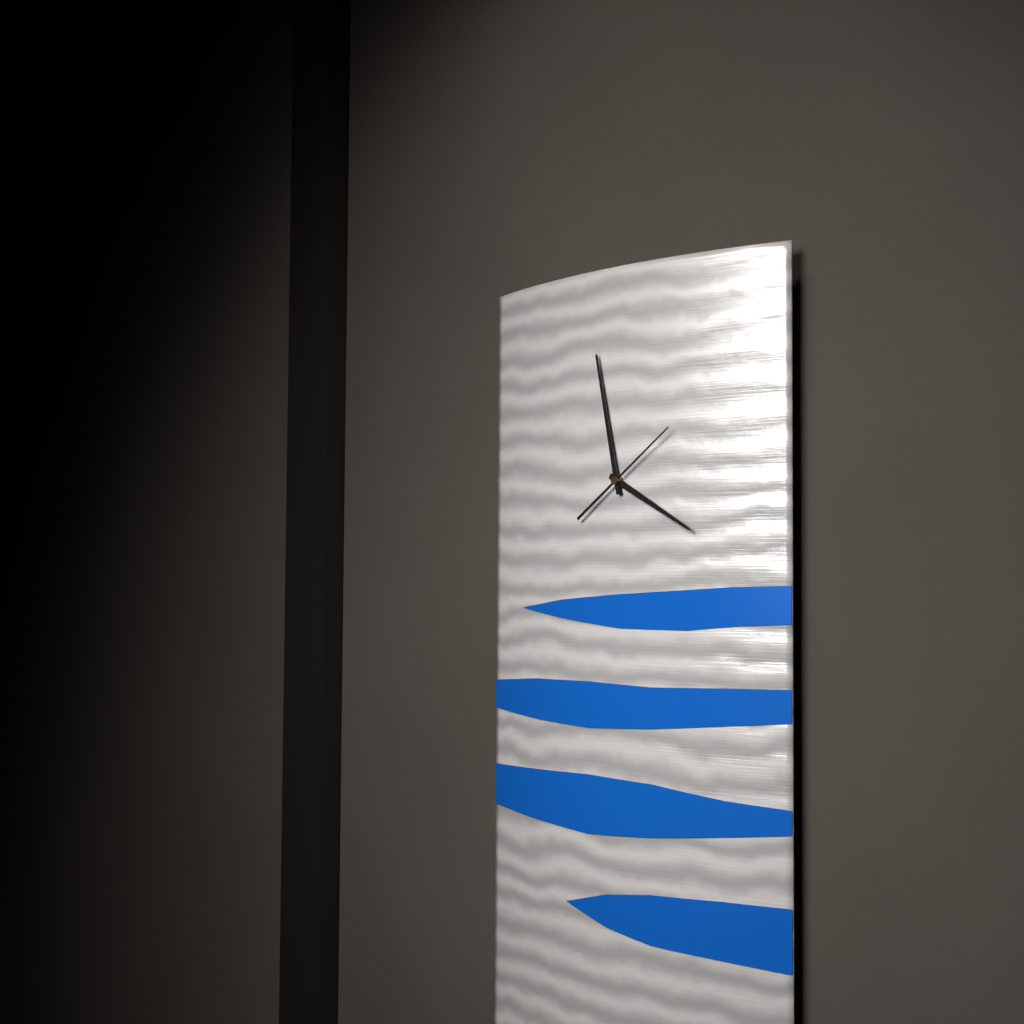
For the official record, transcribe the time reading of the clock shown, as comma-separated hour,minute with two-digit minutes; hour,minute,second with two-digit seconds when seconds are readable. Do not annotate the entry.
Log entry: 3,58,09
